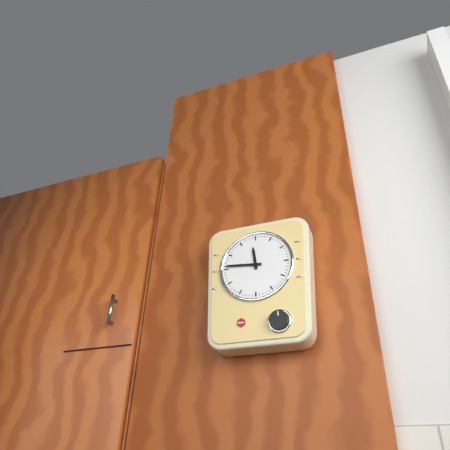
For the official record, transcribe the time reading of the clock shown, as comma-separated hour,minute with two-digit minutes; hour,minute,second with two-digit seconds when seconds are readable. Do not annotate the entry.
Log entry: 11,46
